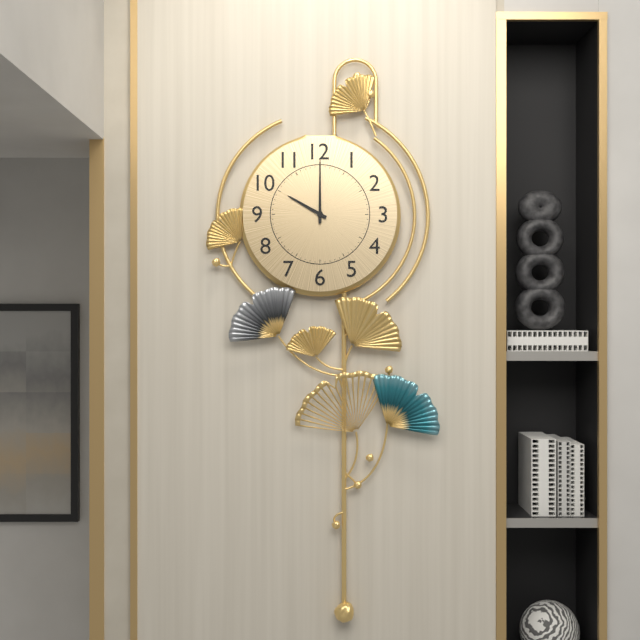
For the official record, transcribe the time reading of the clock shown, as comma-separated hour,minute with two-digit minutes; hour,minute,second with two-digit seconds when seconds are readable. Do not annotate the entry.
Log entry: 10,00
